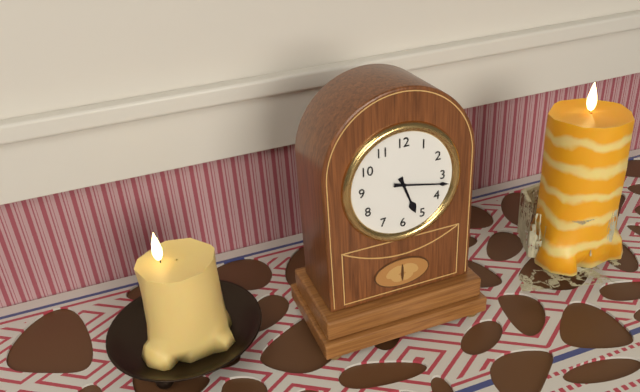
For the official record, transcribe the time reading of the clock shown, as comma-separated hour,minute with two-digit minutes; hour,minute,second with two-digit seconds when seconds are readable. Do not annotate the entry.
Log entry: 5,17
